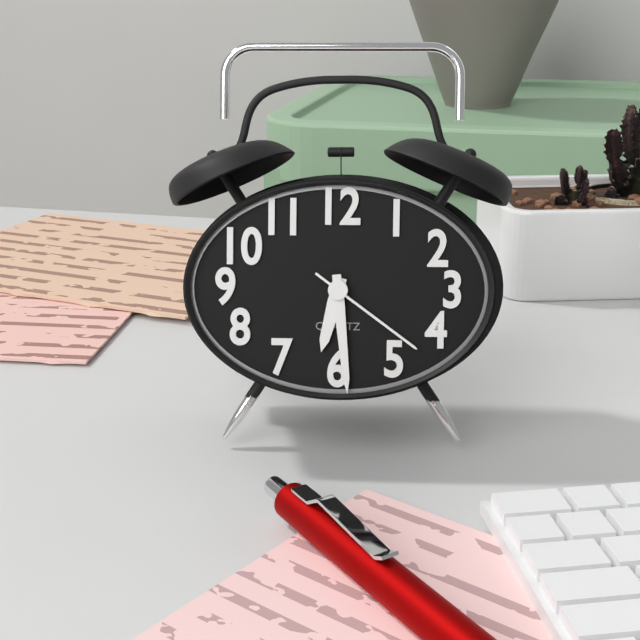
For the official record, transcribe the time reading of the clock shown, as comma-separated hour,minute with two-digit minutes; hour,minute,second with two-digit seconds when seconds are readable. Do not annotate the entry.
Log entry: 6,29,21
